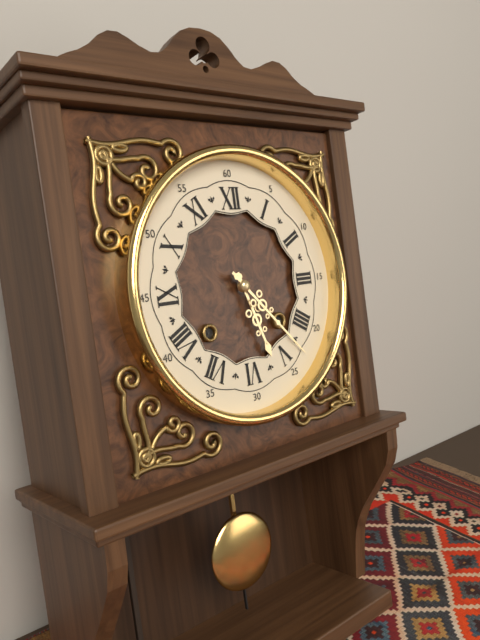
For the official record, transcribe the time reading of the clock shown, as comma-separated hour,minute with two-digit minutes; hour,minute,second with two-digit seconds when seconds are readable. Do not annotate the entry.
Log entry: 5,23
